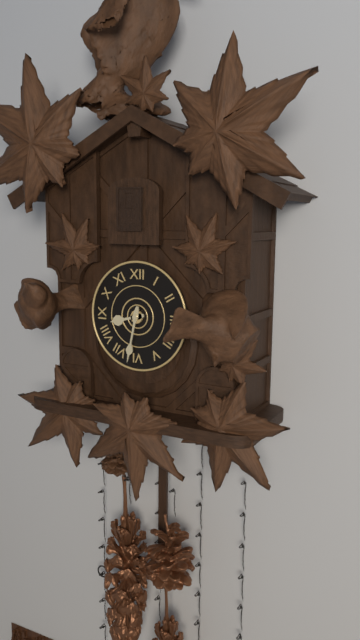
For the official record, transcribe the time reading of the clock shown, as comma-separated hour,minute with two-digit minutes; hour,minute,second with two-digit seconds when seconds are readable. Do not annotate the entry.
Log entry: 8,32
